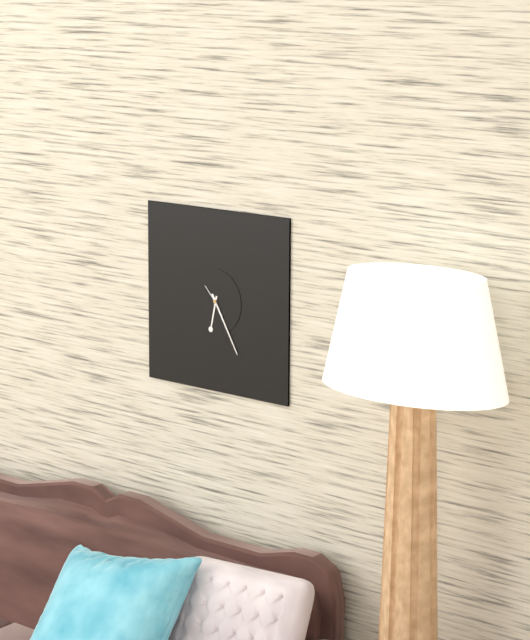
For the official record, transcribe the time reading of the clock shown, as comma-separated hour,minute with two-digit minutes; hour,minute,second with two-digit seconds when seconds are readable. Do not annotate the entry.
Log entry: 6,25
